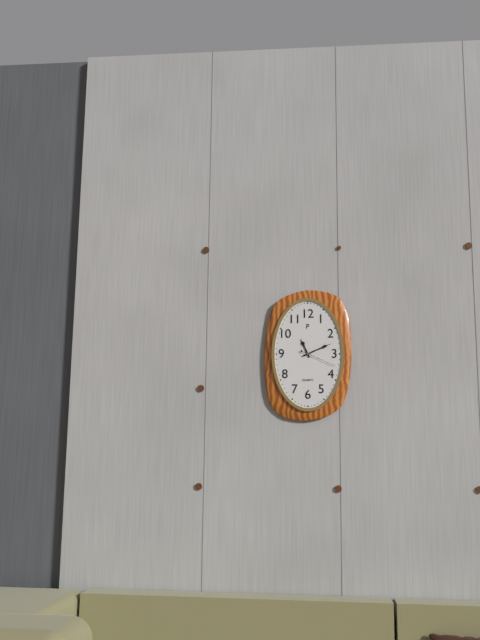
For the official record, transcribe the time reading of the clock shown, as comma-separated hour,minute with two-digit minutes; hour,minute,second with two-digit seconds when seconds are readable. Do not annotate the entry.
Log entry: 11,11
